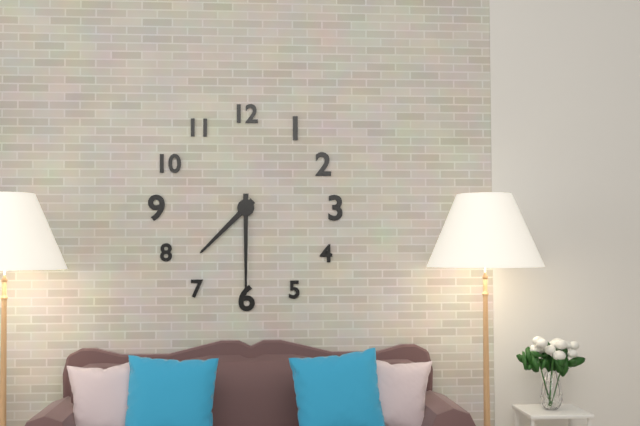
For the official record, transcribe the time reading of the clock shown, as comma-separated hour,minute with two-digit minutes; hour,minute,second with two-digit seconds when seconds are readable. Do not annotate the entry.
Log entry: 7,30
